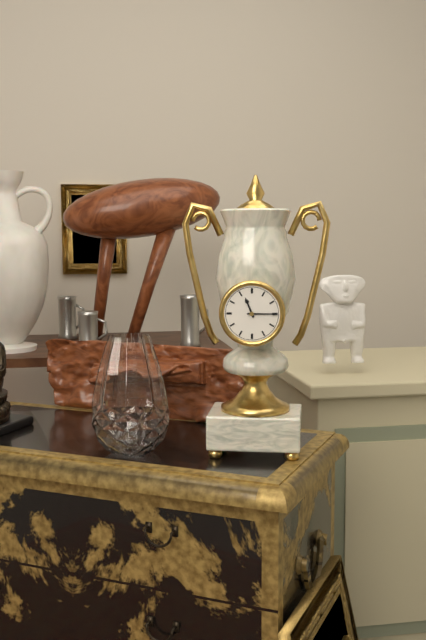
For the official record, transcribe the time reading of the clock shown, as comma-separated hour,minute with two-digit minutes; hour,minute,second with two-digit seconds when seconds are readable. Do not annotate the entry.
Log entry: 11,15
